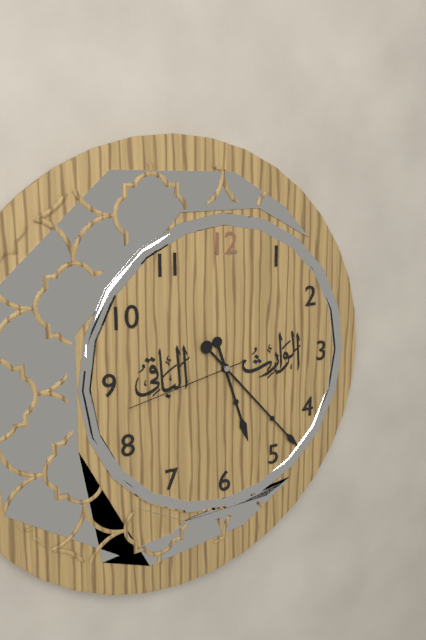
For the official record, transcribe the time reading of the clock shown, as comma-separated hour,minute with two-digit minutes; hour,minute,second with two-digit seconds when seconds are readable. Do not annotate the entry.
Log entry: 5,23,43
